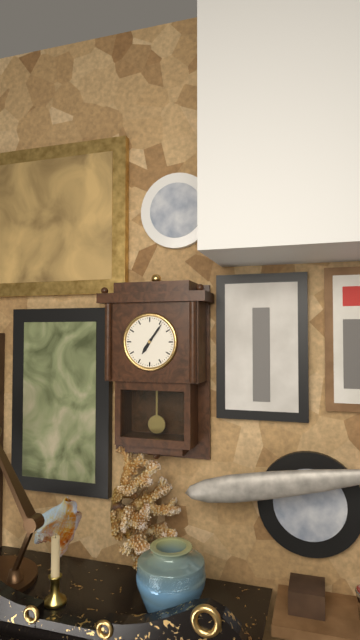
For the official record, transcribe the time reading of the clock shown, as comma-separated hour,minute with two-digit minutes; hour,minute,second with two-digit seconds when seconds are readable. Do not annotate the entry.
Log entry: 7,06
